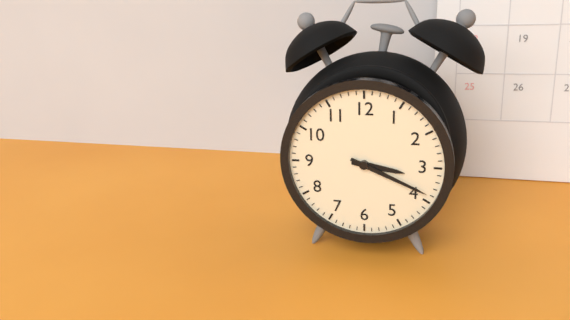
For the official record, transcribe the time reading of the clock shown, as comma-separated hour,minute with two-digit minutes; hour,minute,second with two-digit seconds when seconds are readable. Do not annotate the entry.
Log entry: 3,19
